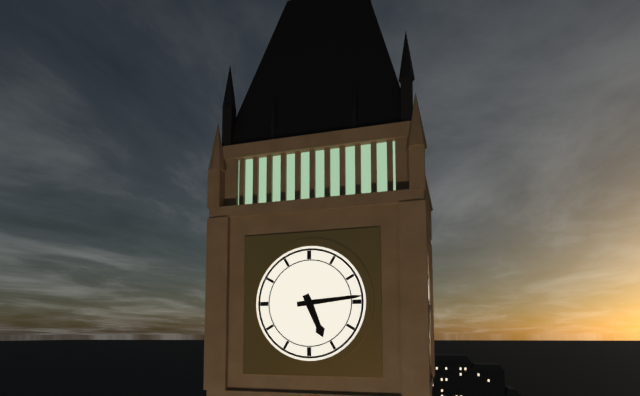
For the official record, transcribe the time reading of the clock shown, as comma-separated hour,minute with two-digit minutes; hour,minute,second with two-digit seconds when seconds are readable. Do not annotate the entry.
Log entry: 5,14
